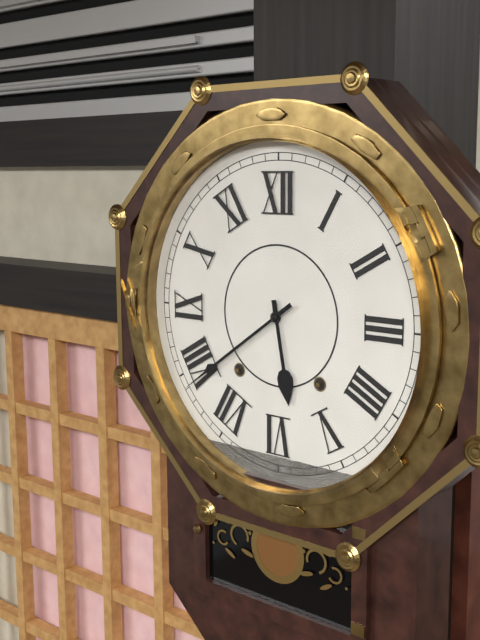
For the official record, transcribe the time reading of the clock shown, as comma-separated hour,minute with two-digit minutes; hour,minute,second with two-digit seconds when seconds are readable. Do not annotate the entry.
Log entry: 5,39
